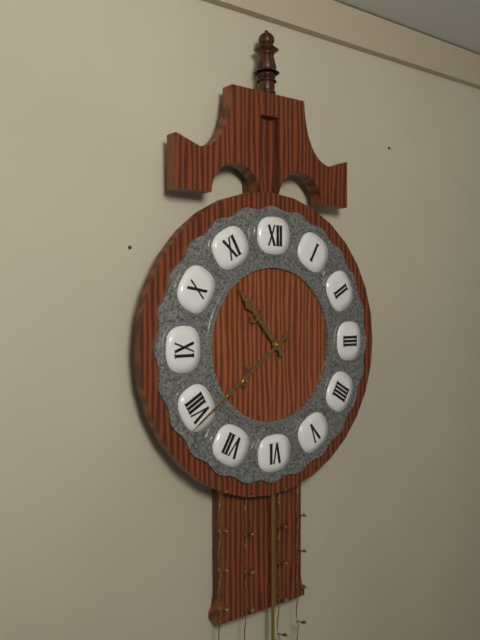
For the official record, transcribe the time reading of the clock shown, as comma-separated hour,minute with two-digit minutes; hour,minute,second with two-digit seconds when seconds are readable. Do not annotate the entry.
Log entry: 10,39
